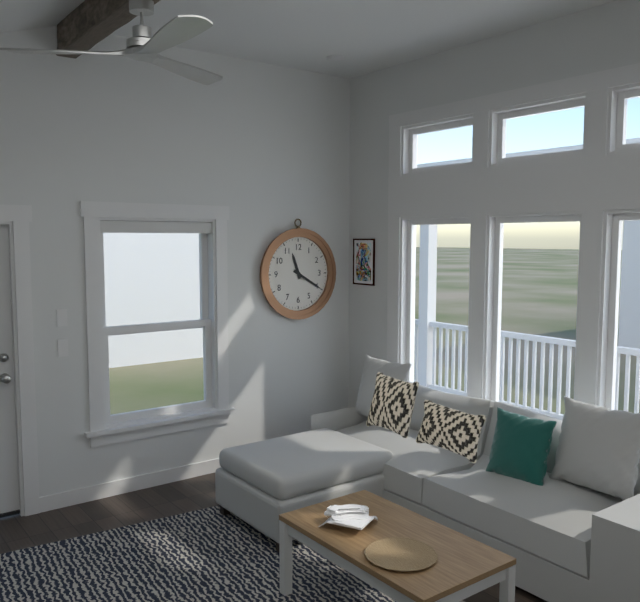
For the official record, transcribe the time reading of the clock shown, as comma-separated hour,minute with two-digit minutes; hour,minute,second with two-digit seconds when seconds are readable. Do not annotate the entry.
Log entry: 11,20
